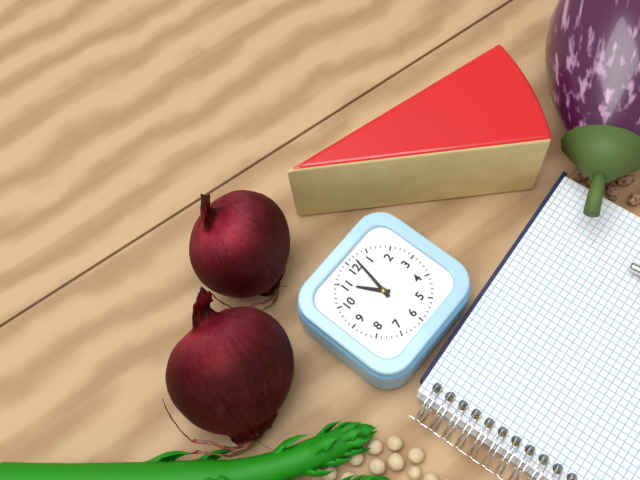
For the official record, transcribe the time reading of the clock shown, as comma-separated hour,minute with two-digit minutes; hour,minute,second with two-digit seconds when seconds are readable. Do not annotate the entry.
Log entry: 11,02
